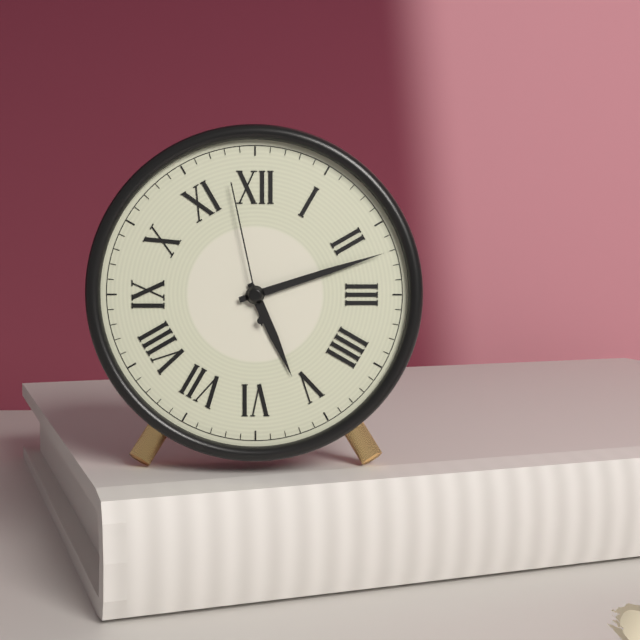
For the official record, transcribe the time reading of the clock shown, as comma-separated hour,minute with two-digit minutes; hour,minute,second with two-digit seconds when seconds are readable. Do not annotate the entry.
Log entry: 5,12,58
